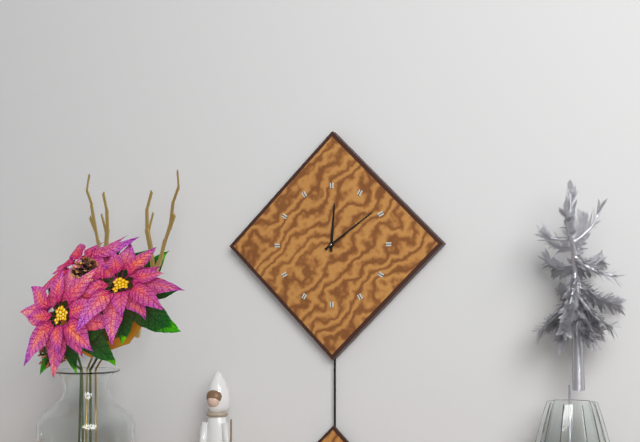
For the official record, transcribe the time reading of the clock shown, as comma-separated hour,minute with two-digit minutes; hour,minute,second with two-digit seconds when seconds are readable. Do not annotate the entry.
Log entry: 12,09
